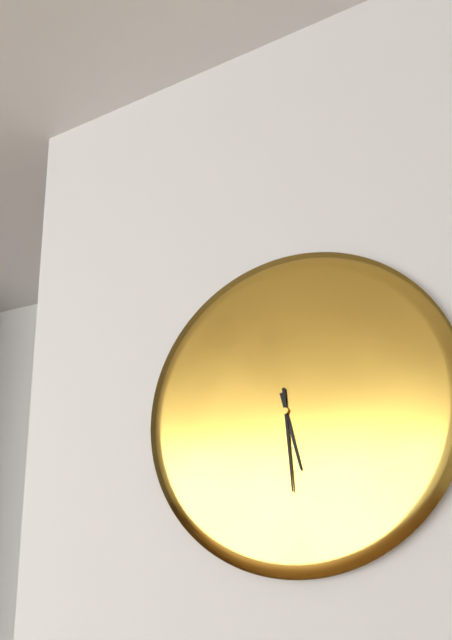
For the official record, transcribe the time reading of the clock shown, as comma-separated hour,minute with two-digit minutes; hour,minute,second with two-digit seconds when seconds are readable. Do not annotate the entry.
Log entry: 5,29
